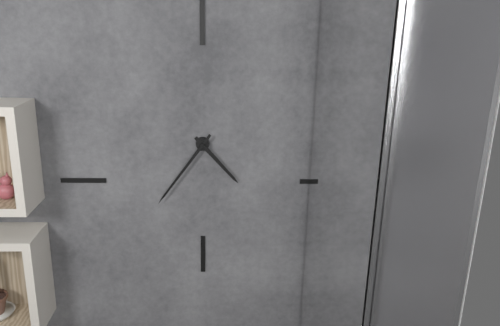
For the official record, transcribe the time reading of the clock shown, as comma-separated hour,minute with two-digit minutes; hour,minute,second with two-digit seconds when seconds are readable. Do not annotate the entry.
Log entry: 4,36
